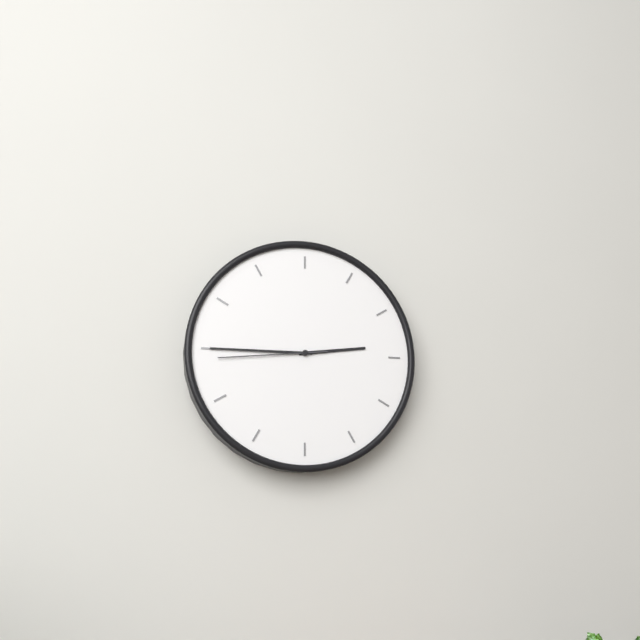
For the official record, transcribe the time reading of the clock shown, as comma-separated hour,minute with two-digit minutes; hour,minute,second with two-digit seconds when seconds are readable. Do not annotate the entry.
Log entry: 2,45,44
